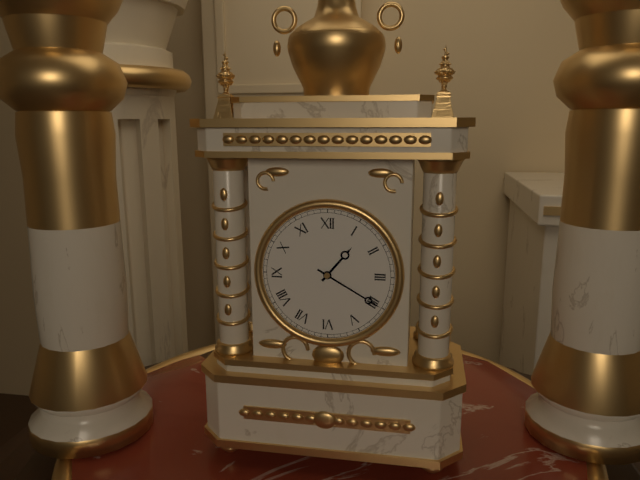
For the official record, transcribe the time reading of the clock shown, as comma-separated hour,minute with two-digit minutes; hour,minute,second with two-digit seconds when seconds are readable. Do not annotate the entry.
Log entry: 1,20
